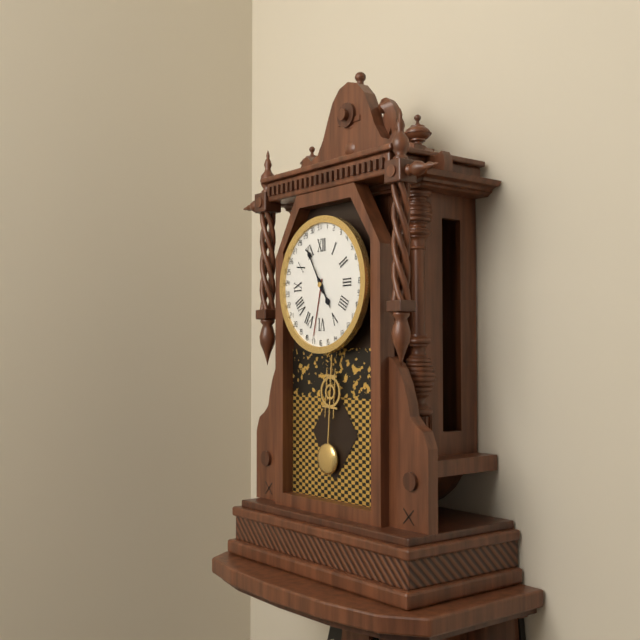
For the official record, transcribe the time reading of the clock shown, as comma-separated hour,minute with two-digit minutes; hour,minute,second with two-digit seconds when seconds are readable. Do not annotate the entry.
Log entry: 4,55
